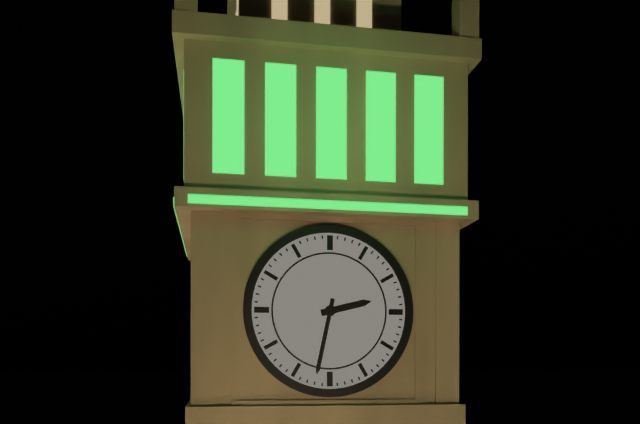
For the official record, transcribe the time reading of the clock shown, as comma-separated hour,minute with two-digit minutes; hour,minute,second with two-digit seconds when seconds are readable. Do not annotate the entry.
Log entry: 2,32
